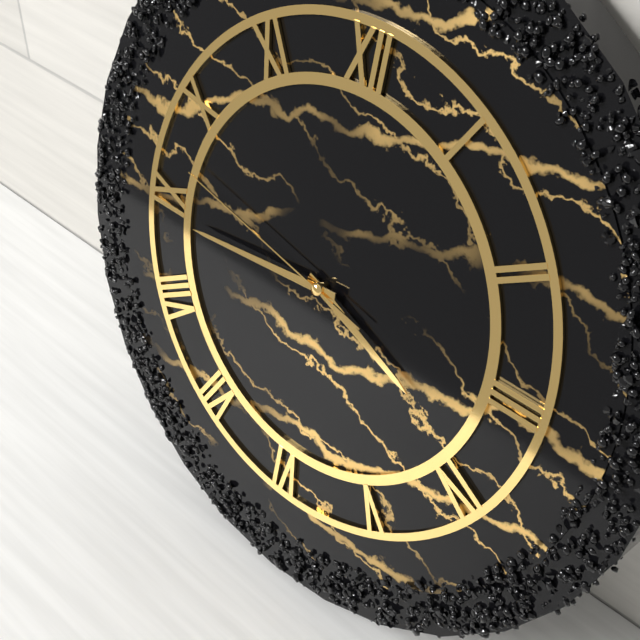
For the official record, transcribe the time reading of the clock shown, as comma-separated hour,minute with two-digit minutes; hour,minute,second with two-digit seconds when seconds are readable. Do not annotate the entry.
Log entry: 3,44,47
